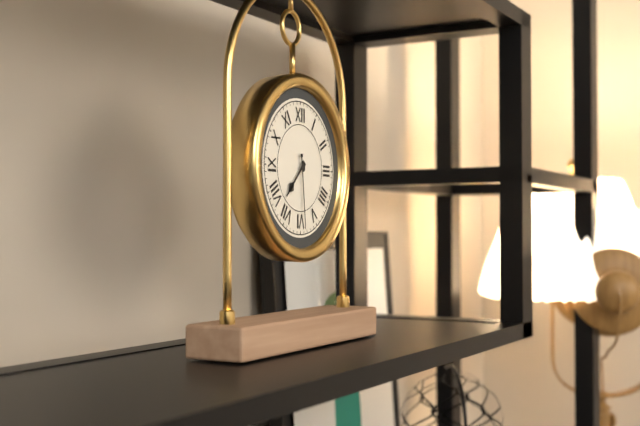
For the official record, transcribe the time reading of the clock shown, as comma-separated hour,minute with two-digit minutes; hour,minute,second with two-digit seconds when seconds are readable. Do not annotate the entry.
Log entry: 7,29
